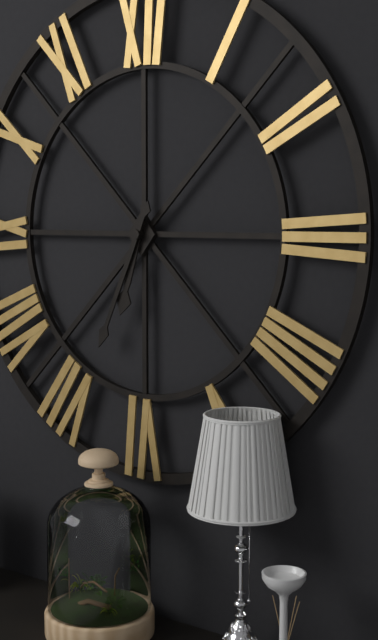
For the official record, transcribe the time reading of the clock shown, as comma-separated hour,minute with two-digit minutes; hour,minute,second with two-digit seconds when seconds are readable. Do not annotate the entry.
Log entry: 6,34
